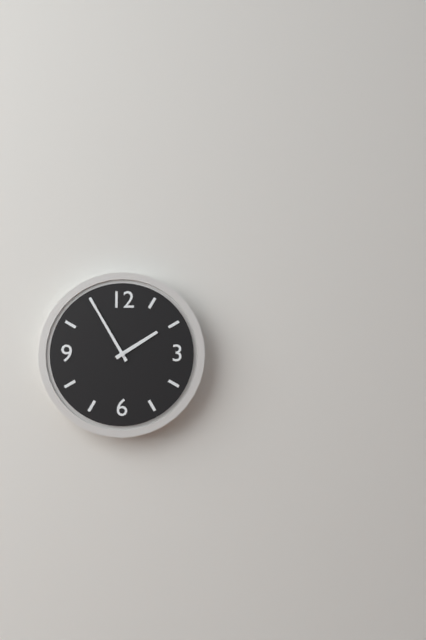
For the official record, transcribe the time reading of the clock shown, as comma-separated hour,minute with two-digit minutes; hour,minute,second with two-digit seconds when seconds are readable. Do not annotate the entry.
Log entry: 1,55
